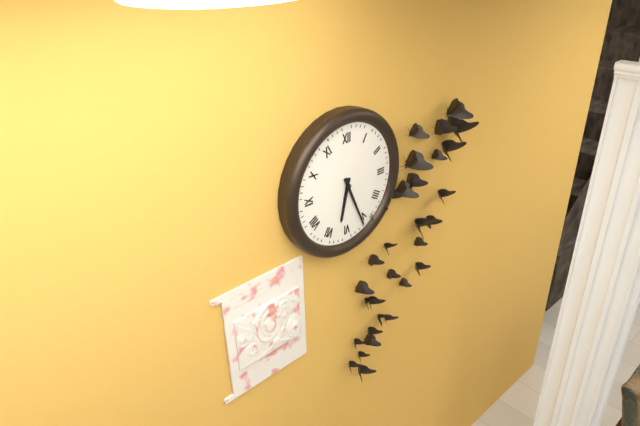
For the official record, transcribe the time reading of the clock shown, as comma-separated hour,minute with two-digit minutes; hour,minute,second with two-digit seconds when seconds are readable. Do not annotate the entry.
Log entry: 6,26
